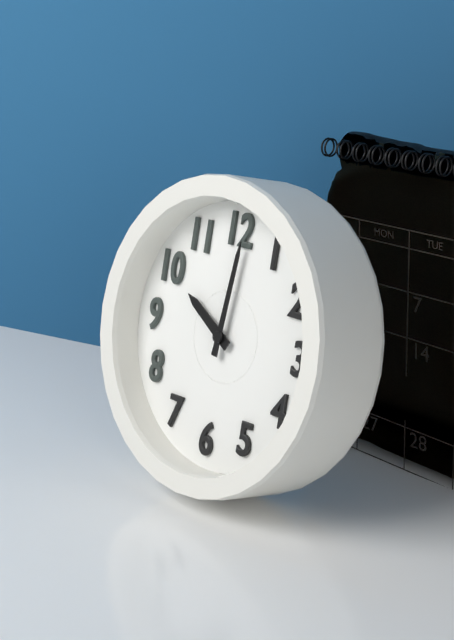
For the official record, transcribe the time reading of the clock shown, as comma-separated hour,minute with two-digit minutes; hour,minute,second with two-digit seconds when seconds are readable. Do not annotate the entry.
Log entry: 10,01
